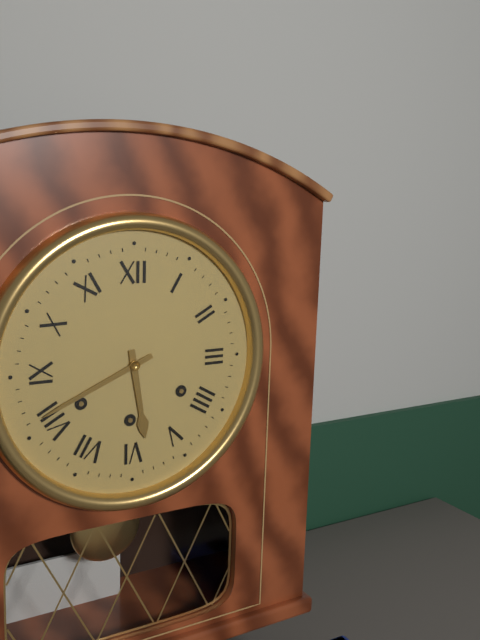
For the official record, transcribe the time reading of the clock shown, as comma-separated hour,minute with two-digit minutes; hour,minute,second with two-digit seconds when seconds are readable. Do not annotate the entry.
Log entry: 5,41
